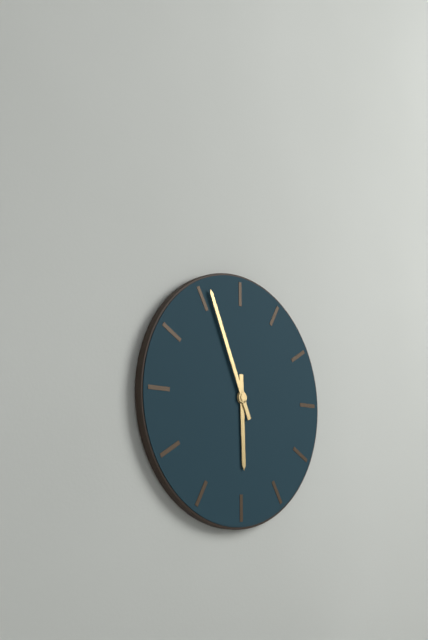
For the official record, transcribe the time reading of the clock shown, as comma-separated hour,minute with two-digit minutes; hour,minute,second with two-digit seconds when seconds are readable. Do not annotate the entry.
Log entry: 5,56
